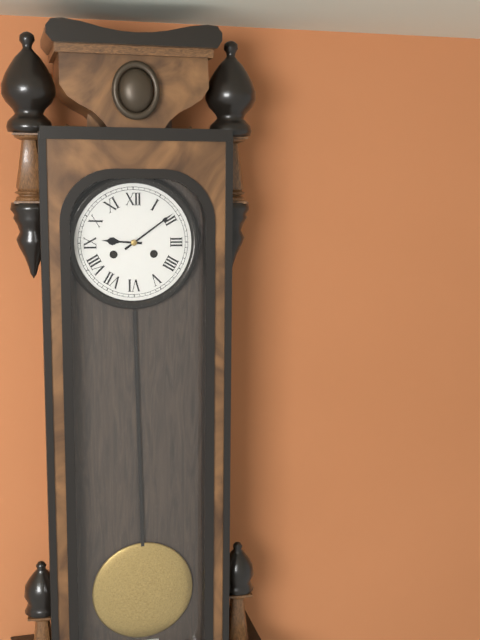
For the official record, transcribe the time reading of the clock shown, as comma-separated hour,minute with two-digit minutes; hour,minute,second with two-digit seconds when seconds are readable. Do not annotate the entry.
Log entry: 9,09
